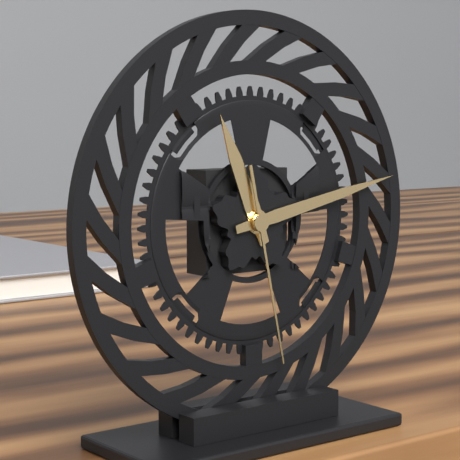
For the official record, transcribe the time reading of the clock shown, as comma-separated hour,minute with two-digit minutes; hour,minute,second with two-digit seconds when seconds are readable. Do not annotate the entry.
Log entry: 11,13,28
